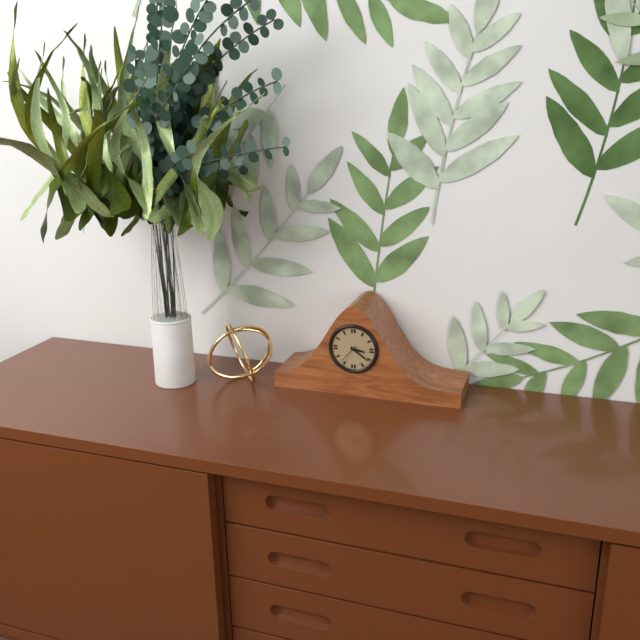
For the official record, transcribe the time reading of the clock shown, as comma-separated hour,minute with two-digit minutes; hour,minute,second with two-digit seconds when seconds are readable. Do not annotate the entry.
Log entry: 3,21
